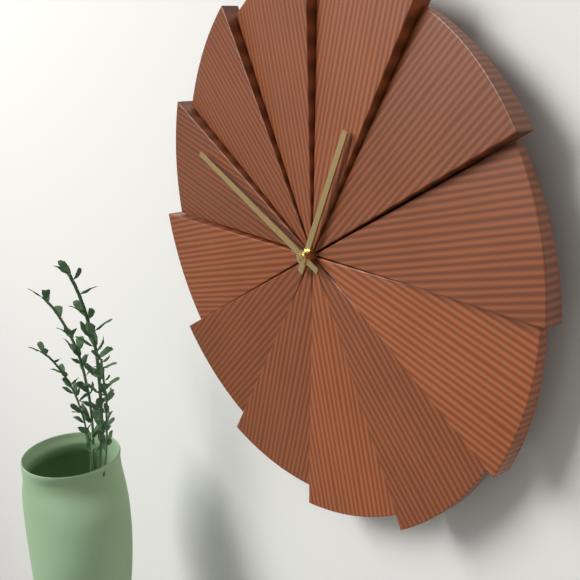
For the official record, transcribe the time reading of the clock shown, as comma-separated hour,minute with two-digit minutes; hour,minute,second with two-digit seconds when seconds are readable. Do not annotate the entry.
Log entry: 12,49
